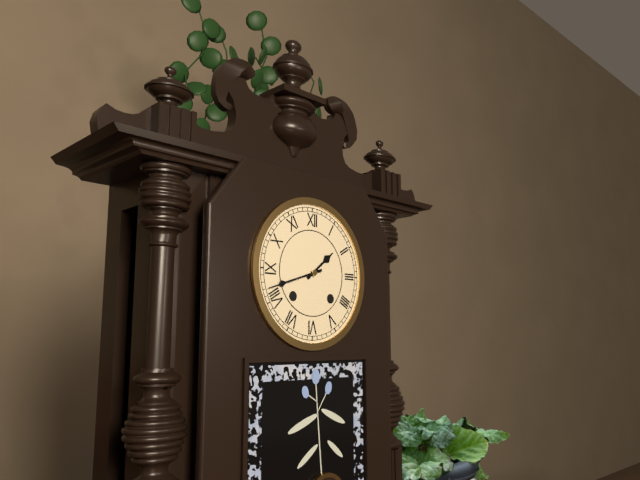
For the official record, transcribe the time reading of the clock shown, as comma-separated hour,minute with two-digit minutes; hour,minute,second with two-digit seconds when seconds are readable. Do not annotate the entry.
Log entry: 1,42
